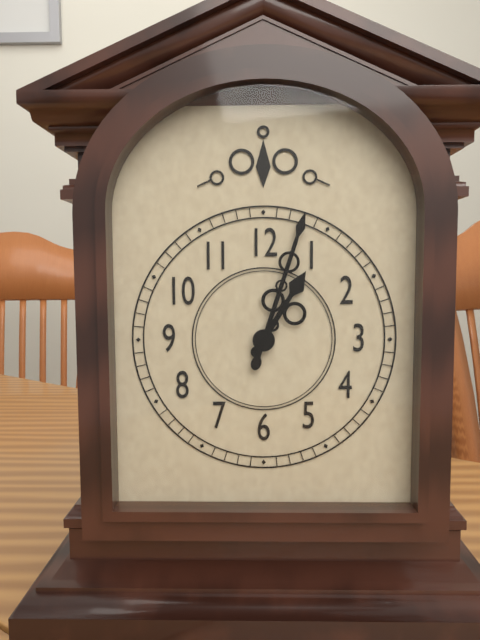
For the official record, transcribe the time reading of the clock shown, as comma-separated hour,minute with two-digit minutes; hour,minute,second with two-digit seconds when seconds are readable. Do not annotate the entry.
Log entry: 1,03
